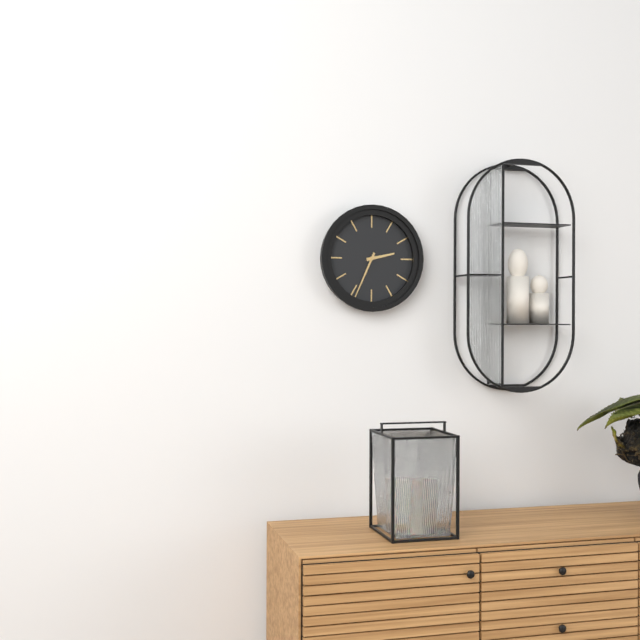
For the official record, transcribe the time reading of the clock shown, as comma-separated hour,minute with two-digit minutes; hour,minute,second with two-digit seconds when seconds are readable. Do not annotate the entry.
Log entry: 2,34
